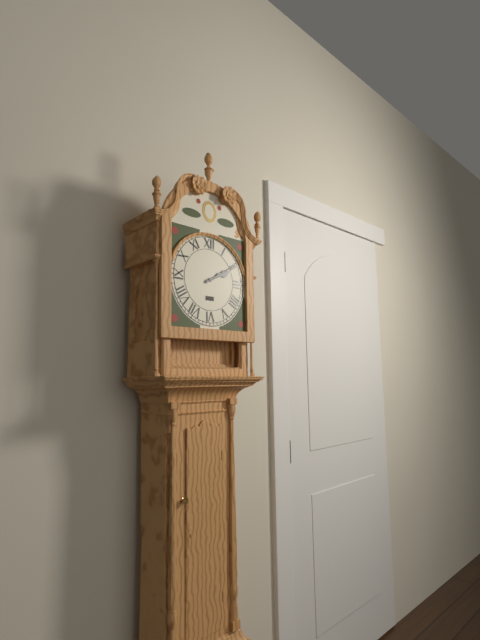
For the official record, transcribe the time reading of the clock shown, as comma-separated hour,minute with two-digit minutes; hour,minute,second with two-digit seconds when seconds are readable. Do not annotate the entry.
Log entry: 2,10
